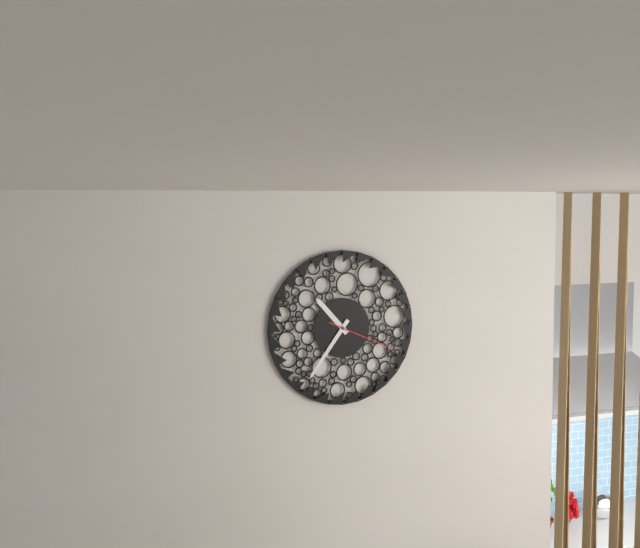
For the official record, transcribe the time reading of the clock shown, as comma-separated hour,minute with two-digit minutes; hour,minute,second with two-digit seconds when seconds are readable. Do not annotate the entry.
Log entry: 10,36,19
